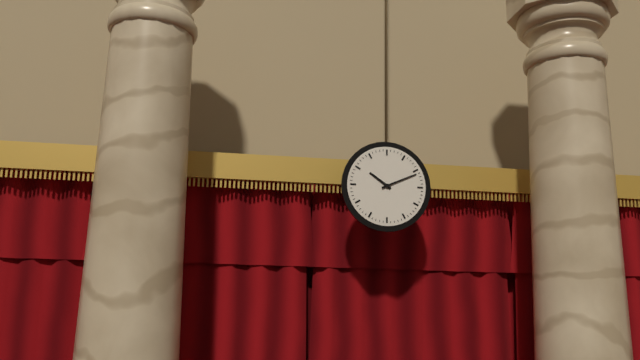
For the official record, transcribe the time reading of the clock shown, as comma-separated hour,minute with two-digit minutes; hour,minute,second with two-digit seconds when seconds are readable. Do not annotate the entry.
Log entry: 10,11
